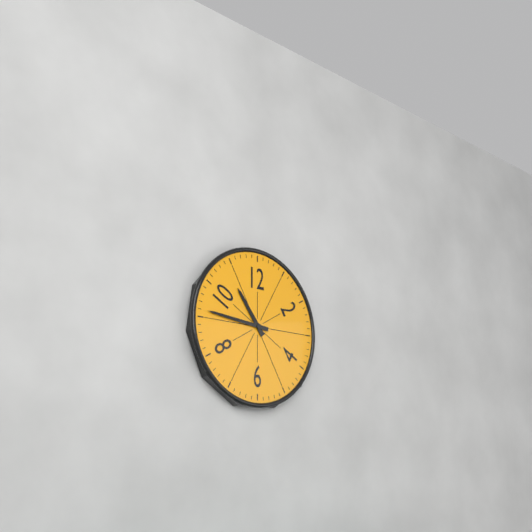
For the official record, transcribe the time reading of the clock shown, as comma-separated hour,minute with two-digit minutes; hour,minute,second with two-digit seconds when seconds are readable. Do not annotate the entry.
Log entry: 10,46
